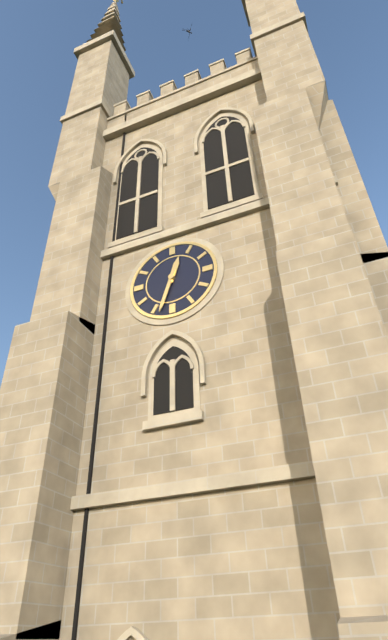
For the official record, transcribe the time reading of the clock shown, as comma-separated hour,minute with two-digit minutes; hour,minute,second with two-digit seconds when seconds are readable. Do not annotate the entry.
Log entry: 12,33
